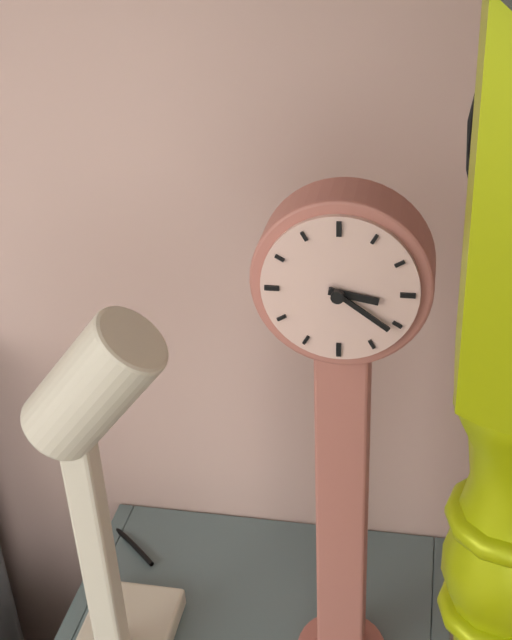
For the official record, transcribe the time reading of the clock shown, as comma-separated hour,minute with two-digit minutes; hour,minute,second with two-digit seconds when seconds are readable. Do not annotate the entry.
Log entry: 3,21
